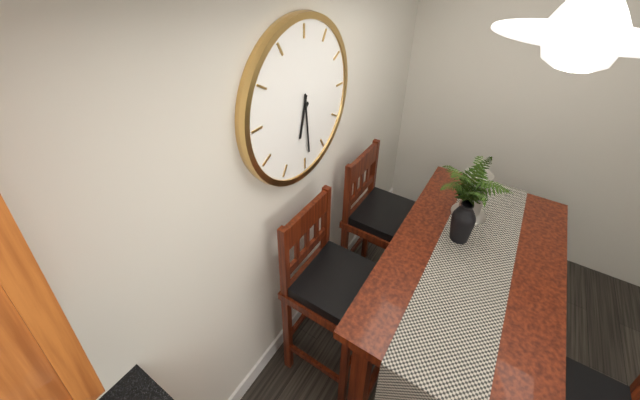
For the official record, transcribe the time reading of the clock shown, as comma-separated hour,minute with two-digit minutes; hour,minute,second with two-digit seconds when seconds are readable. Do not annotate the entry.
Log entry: 6,29
